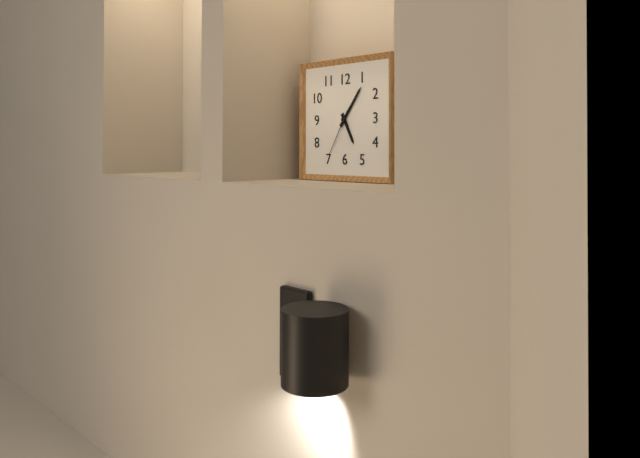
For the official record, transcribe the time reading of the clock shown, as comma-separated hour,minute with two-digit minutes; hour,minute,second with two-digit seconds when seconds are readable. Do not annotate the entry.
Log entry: 5,06
